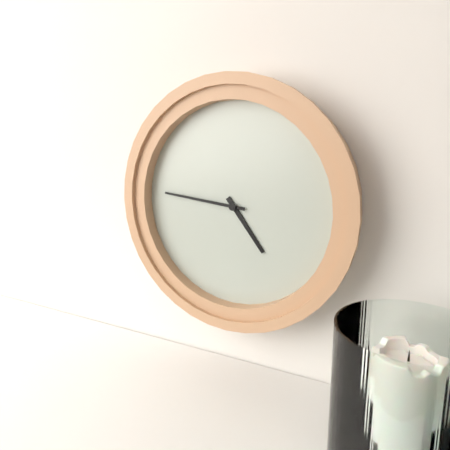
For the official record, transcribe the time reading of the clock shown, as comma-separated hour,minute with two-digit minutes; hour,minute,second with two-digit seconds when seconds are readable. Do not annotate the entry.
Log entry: 4,46
